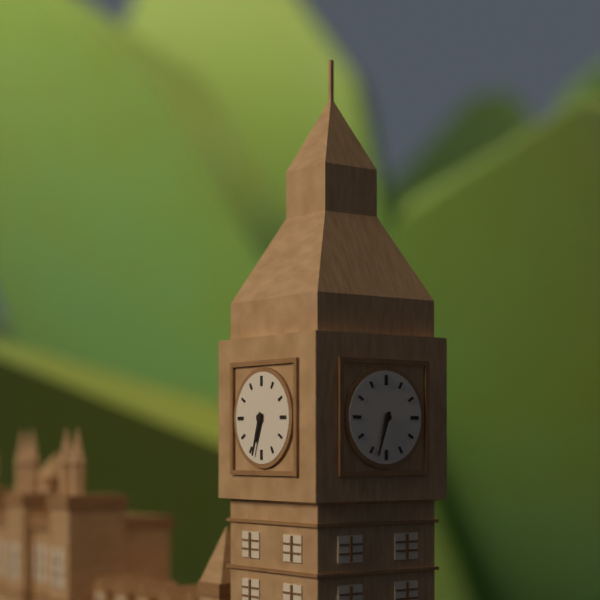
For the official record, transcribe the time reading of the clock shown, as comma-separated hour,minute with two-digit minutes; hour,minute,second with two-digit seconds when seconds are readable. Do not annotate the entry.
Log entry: 6,33
